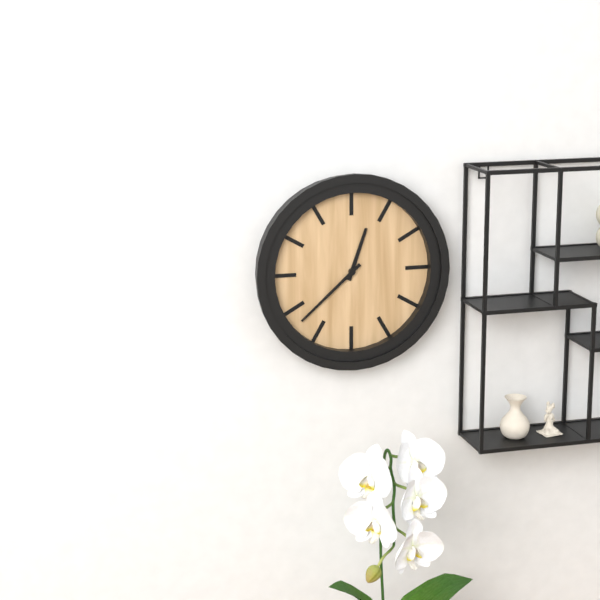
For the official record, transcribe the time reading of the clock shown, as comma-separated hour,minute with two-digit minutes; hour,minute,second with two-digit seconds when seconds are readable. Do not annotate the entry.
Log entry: 12,38
